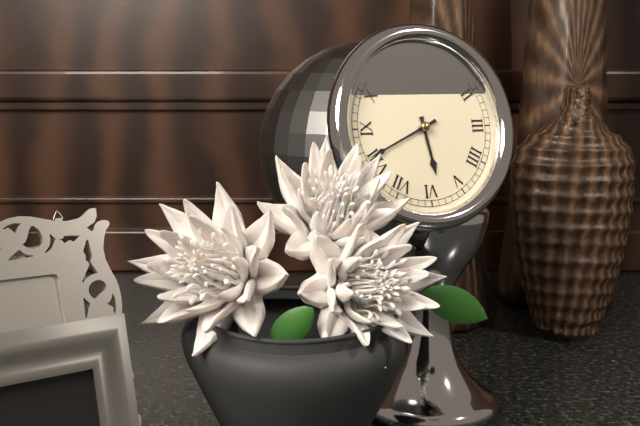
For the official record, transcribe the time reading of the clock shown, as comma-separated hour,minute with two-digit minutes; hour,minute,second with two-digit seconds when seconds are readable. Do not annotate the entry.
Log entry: 5,41
